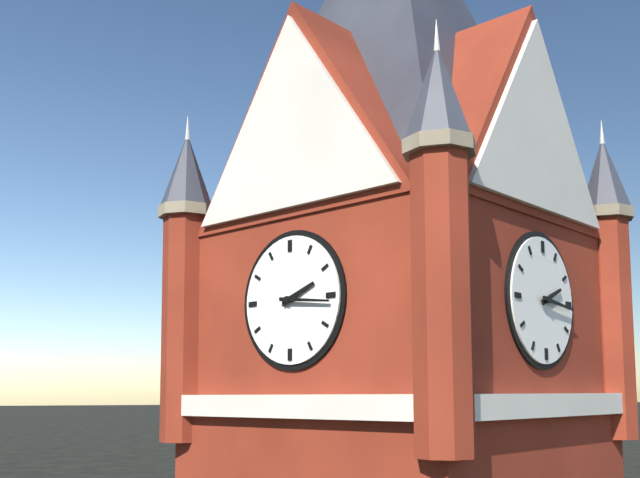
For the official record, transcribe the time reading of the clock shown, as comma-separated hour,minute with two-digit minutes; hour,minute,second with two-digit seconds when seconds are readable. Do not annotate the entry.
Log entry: 2,16
